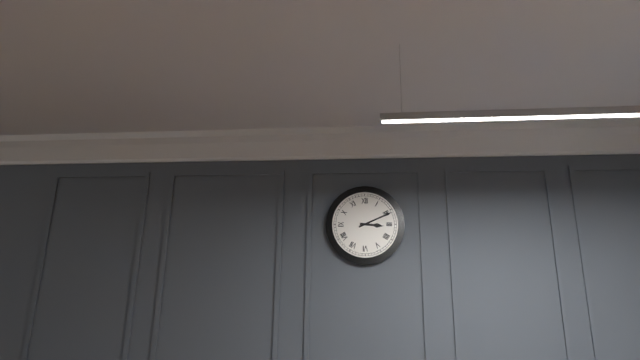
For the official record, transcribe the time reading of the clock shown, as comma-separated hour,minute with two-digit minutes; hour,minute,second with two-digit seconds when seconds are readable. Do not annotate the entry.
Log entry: 3,11
